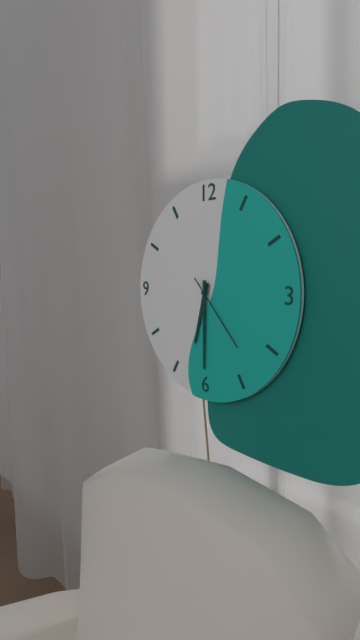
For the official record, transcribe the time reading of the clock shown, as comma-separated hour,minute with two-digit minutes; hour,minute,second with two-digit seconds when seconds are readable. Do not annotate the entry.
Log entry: 6,30,23
